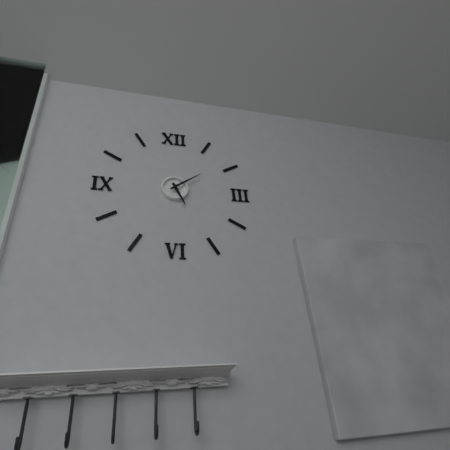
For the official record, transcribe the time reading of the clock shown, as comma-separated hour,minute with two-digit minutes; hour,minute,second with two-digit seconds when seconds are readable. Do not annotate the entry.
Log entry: 5,09
